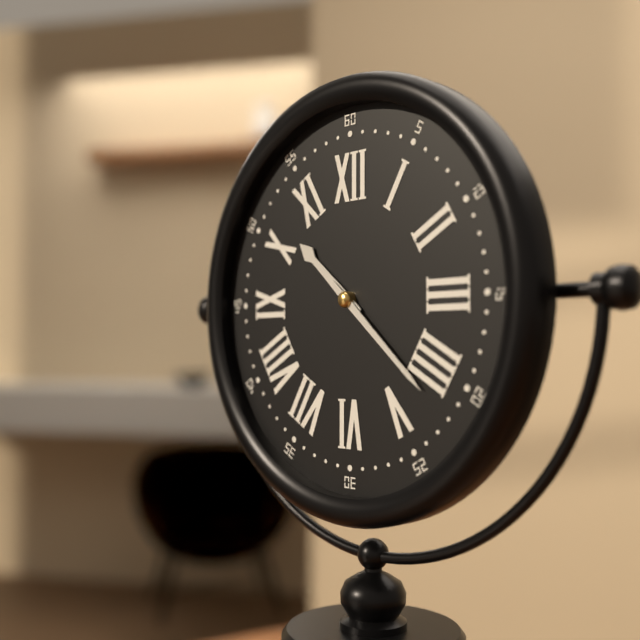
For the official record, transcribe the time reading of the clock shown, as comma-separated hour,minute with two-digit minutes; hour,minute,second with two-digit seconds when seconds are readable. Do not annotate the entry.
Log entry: 10,22
